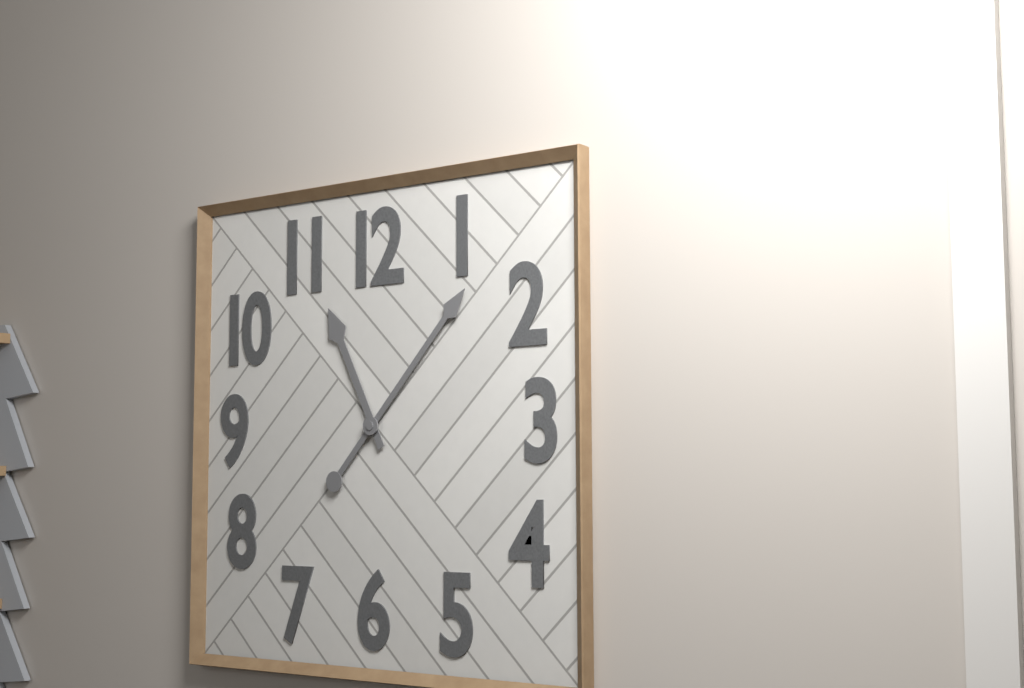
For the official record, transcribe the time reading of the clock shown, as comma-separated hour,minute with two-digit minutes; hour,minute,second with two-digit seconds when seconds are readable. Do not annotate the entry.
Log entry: 11,07
